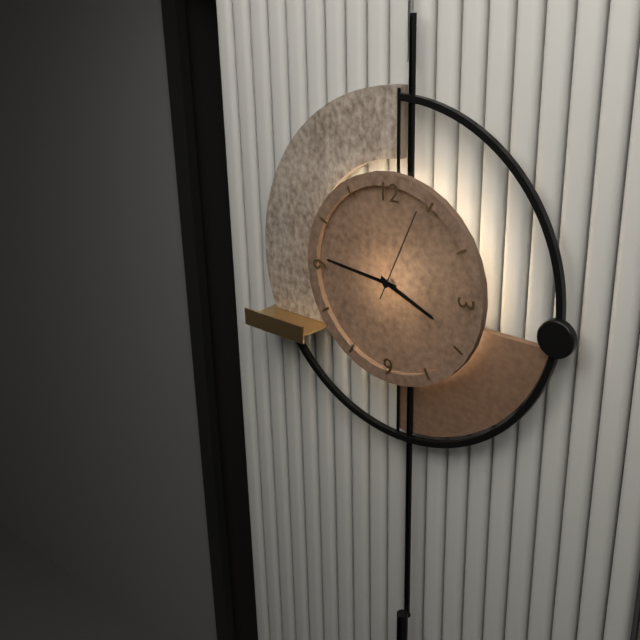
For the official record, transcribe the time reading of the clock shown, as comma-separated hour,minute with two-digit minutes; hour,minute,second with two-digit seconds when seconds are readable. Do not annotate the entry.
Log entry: 3,46,04
